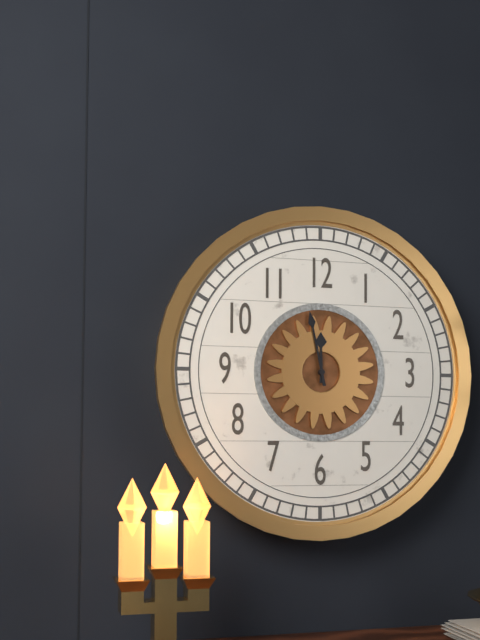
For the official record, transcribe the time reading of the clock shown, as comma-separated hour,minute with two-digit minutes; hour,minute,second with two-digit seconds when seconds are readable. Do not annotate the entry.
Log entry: 11,58
